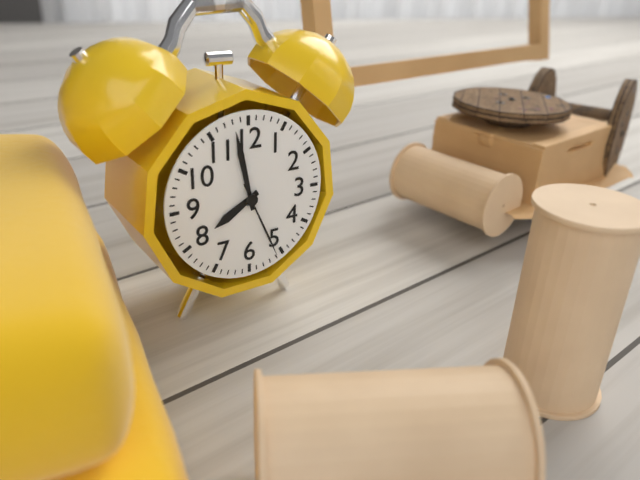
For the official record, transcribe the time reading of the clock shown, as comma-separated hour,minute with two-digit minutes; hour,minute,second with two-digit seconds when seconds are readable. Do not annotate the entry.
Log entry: 7,58,26
